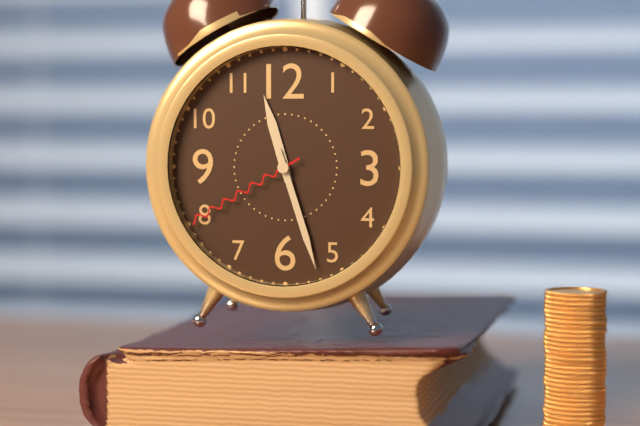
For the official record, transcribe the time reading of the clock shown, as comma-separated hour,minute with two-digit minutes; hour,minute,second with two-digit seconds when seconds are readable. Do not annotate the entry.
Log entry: 11,27,40
